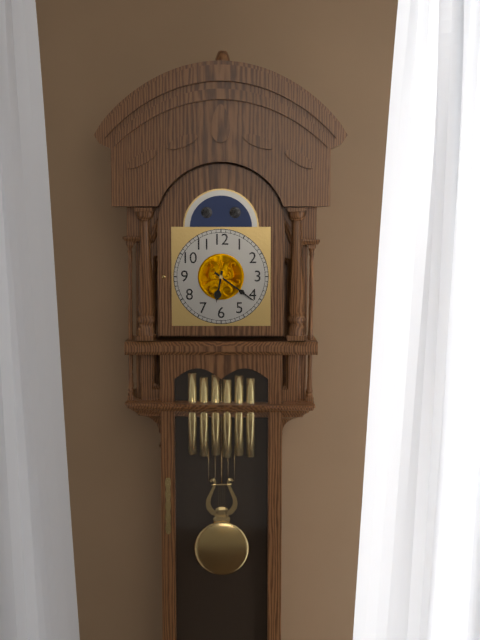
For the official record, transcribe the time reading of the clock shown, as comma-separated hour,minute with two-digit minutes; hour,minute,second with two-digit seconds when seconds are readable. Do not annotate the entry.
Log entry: 6,21
